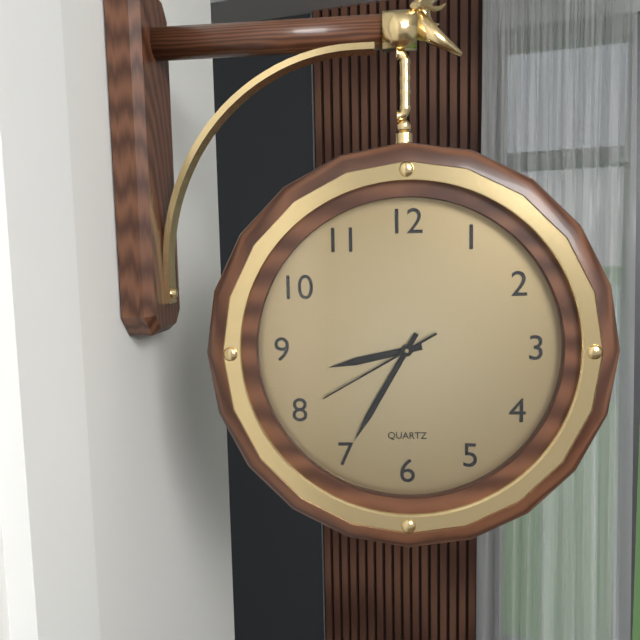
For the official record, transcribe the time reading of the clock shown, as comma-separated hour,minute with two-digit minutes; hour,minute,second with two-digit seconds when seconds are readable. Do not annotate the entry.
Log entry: 8,35,40
